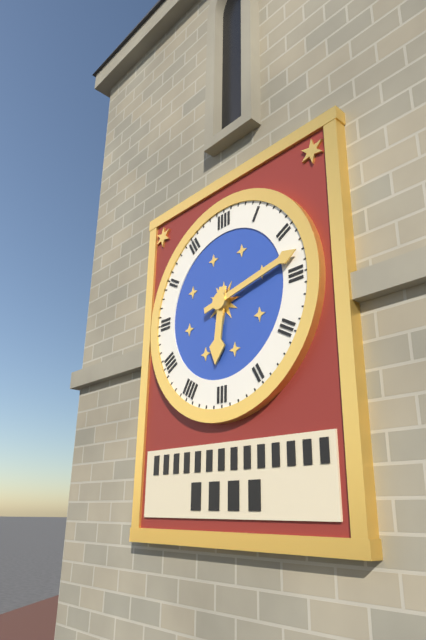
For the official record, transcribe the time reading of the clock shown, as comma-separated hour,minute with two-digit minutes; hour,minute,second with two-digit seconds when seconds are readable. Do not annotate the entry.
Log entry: 6,13
